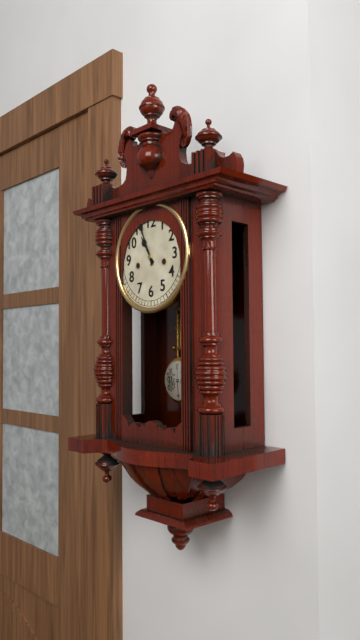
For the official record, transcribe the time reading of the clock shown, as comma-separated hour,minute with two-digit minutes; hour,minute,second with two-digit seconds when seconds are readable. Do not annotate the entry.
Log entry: 10,56
